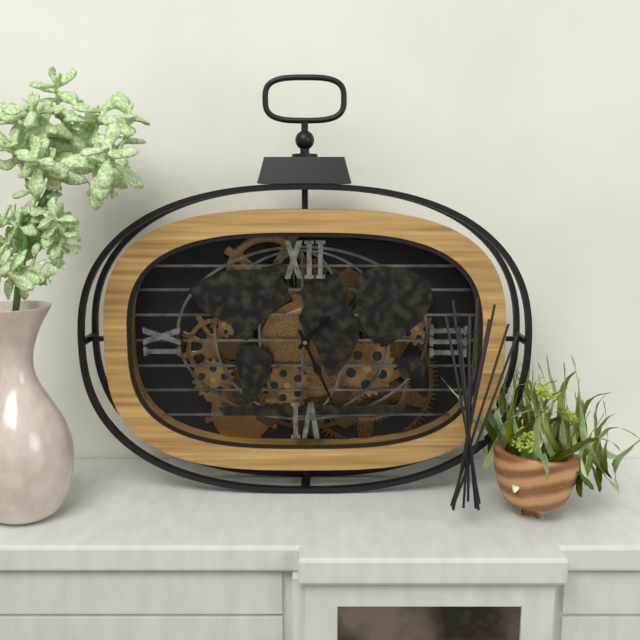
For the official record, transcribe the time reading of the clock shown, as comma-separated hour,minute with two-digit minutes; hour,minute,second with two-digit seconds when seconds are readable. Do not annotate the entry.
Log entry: 1,26
